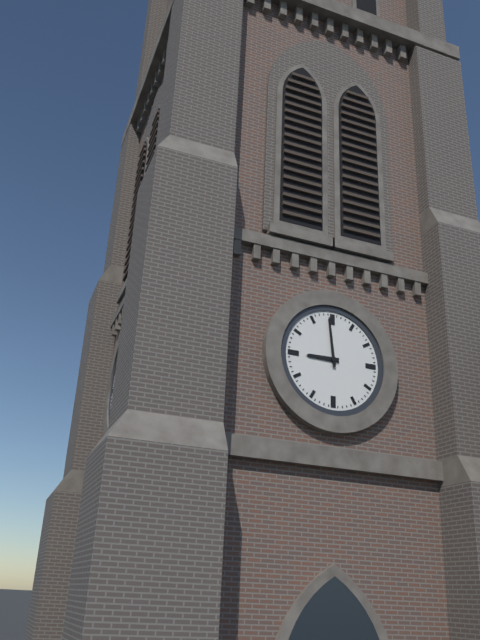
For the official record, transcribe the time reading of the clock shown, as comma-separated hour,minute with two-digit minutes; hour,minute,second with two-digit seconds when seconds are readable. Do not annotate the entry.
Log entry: 8,59
